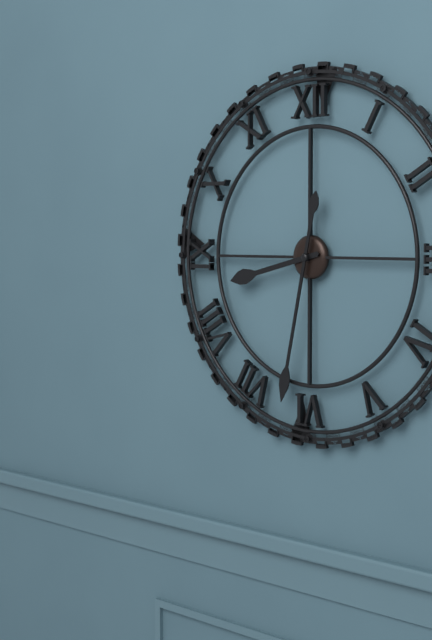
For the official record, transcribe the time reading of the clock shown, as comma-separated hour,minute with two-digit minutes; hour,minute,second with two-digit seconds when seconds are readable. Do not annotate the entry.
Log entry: 8,32
